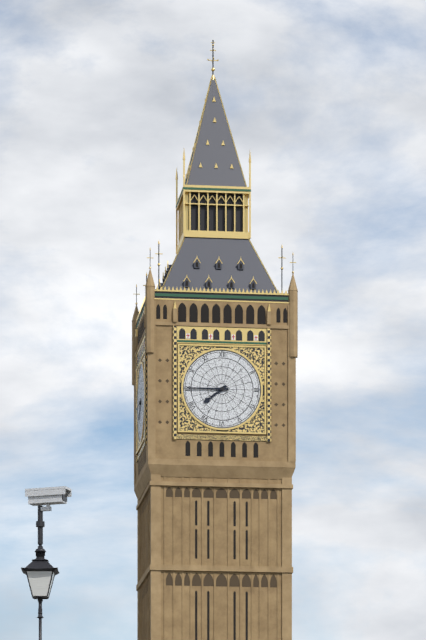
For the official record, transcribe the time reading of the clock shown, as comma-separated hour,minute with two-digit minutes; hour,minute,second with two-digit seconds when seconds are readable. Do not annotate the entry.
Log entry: 7,45
